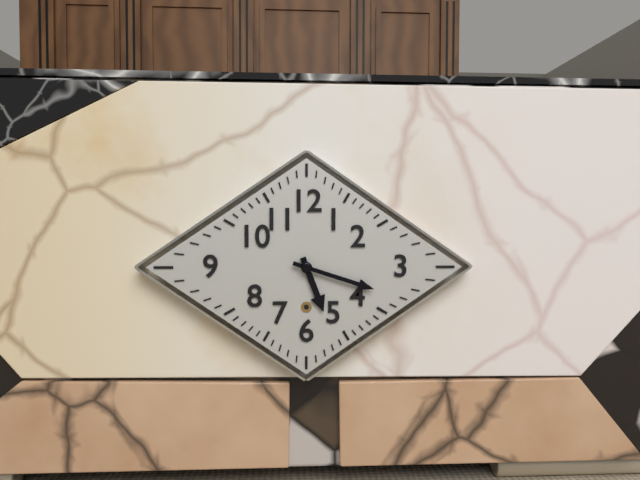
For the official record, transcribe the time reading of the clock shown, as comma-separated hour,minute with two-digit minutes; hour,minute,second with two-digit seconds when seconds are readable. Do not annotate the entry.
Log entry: 5,18
